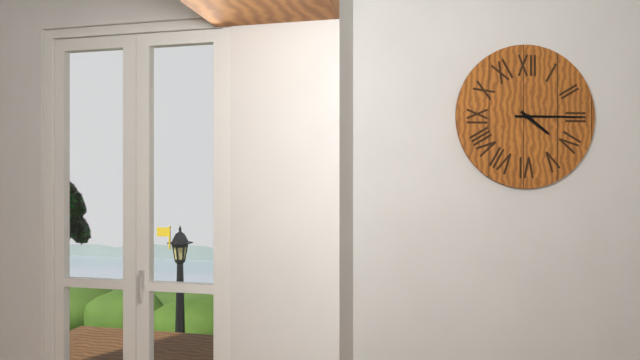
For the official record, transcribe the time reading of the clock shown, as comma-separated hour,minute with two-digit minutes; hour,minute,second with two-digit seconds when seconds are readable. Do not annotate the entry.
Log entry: 4,15
